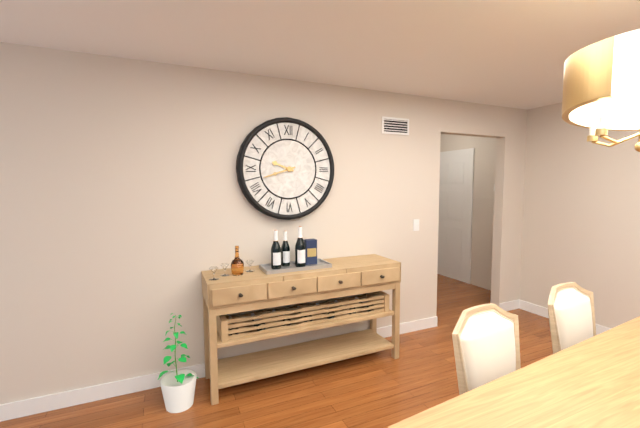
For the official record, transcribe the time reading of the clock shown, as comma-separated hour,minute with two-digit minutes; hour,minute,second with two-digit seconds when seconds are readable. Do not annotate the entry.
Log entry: 9,42
